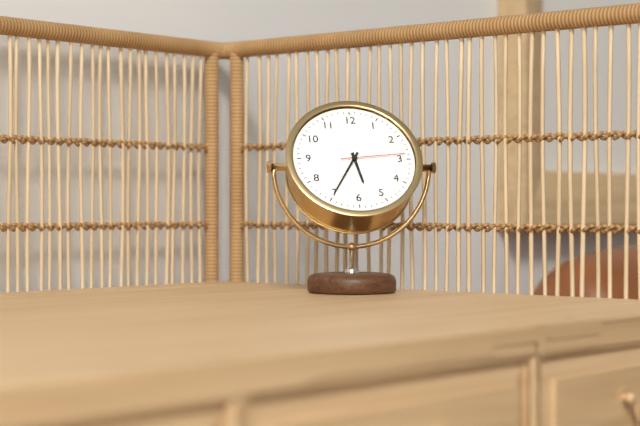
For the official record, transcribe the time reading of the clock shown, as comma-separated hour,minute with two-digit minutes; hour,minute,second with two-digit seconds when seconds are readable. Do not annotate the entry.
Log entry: 5,35,14
